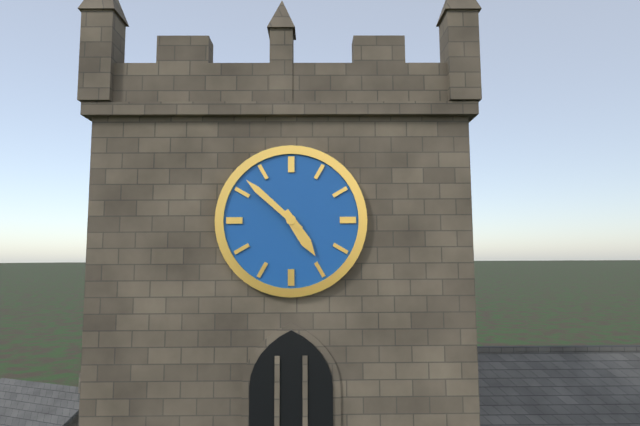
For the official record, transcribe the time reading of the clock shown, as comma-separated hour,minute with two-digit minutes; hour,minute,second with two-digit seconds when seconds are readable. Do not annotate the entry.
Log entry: 4,52
